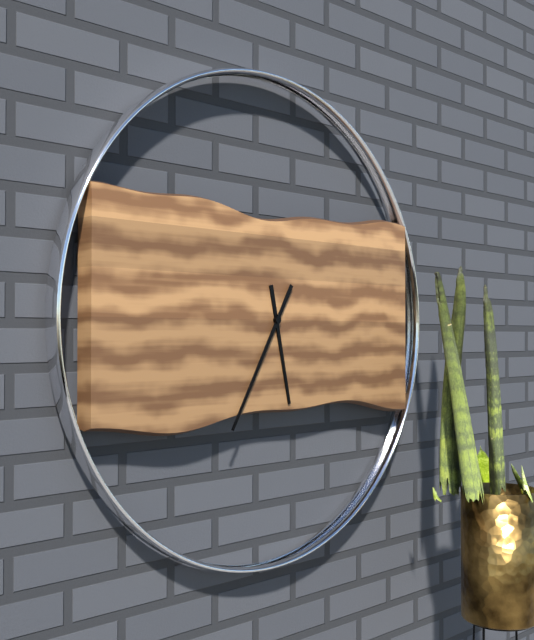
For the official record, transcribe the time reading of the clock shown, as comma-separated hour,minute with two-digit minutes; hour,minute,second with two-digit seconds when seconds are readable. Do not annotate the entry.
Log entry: 5,35
